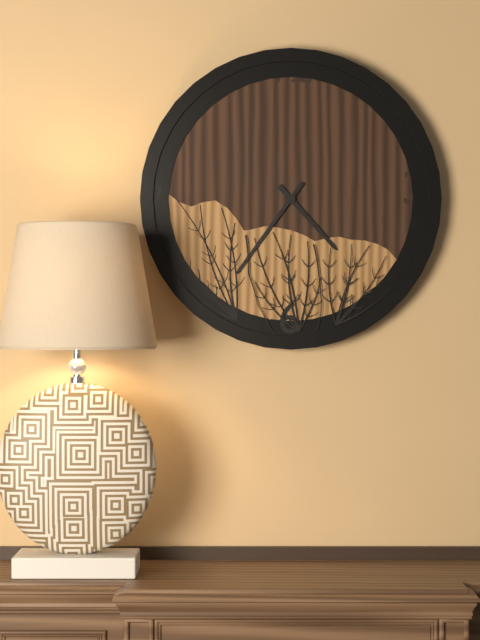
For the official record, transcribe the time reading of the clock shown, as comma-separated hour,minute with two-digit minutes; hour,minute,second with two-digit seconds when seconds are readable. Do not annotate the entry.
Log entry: 4,36
